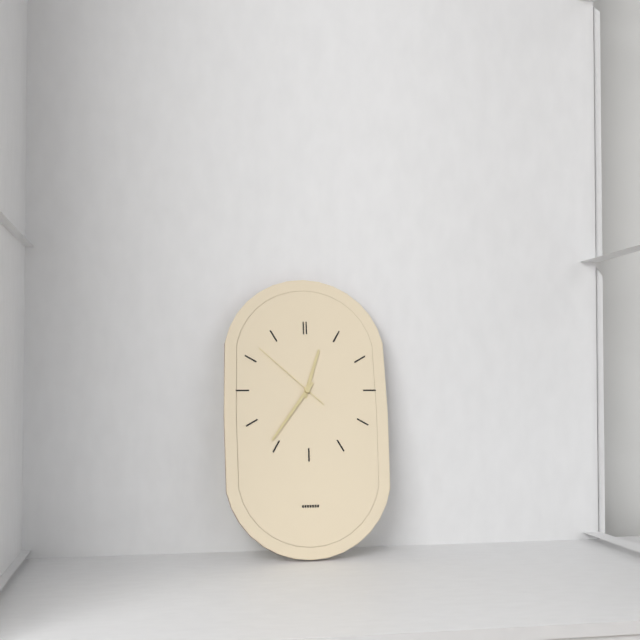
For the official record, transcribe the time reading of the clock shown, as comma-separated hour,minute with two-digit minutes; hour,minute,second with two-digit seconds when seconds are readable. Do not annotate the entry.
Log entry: 12,36,52
